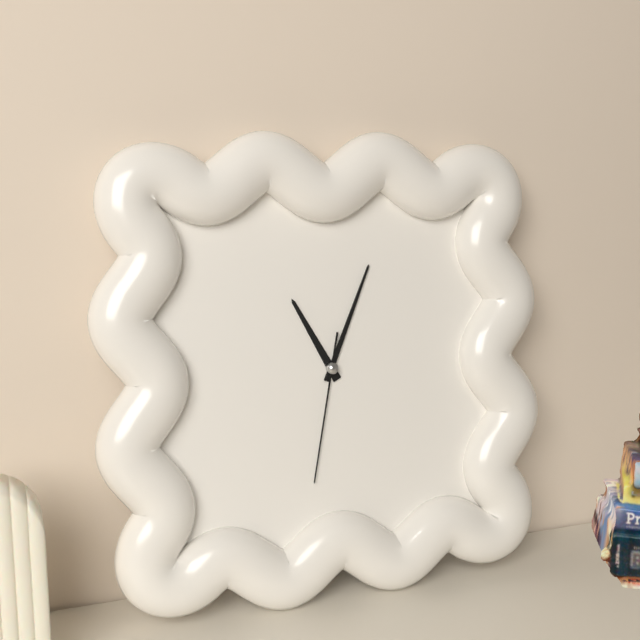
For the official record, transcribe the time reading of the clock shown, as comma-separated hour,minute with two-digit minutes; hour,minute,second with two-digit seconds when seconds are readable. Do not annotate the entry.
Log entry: 11,04,32
